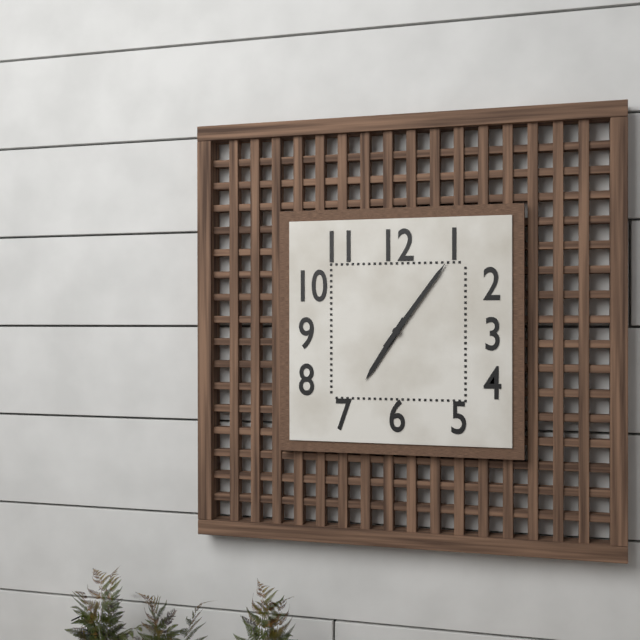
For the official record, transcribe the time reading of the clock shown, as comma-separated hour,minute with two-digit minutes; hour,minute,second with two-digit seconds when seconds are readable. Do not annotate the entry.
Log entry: 7,06
